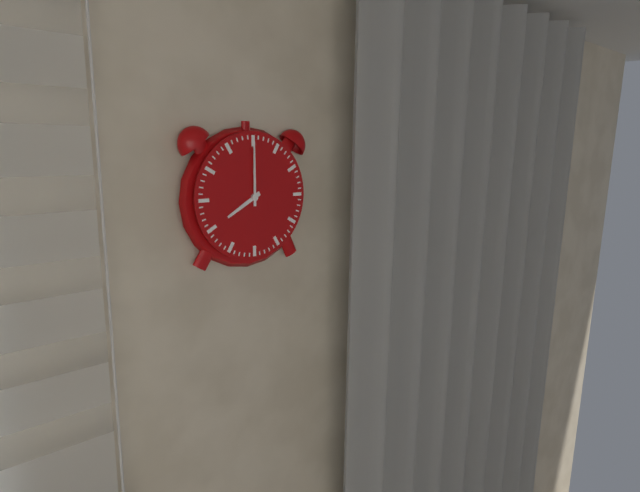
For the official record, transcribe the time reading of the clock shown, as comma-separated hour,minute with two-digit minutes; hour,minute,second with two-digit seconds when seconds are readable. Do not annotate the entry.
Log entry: 8,00
